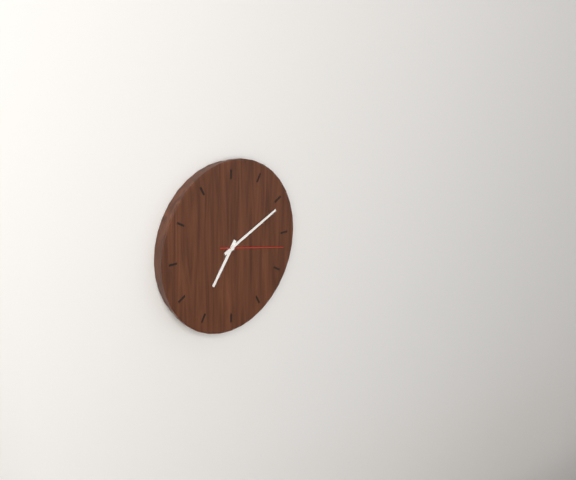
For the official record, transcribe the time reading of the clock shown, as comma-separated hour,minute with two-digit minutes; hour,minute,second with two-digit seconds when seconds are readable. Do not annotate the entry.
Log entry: 7,11,17
